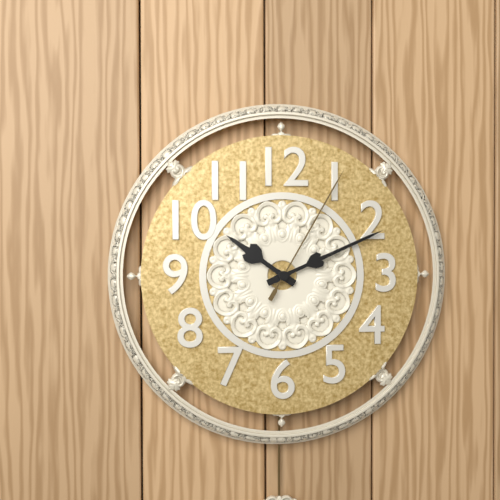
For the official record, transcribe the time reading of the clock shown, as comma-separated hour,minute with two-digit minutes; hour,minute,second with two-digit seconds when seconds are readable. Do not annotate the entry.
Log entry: 10,11,05
